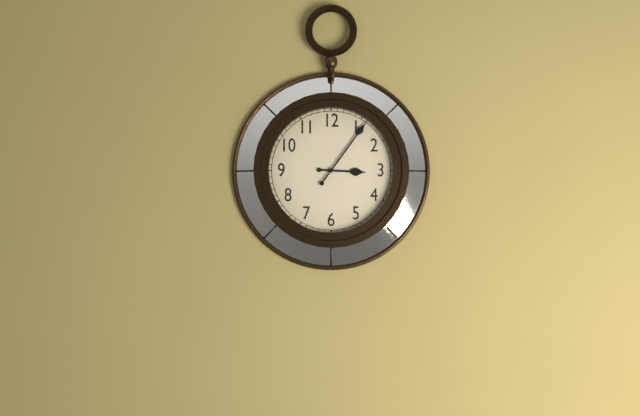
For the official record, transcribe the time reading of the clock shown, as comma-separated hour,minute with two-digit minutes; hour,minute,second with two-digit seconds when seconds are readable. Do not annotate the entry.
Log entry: 3,06
